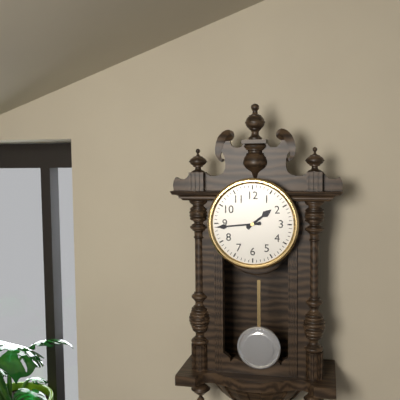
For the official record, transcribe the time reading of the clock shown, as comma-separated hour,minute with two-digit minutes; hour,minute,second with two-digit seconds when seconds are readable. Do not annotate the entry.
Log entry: 1,44
